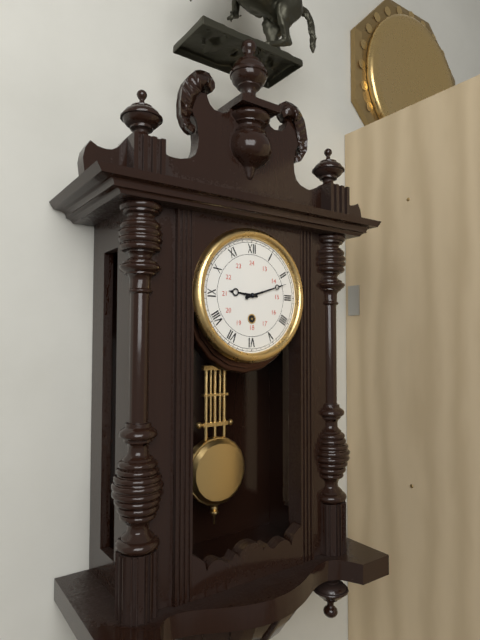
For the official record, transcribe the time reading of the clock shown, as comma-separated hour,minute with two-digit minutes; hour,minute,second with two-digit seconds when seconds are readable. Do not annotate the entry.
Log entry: 9,12
